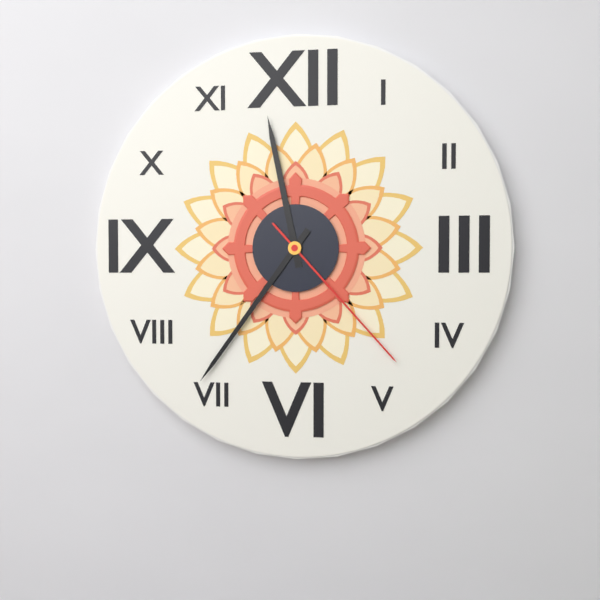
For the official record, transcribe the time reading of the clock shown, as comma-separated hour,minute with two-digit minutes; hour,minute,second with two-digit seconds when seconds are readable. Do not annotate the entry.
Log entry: 11,36,23
